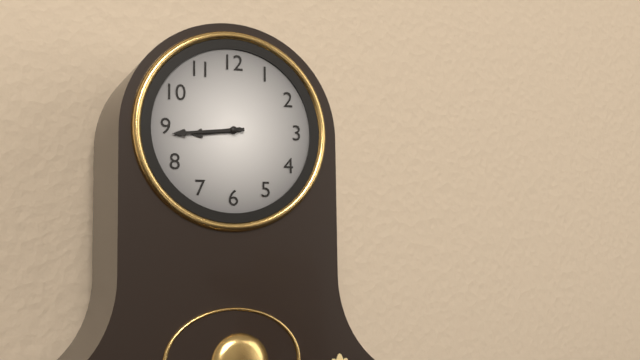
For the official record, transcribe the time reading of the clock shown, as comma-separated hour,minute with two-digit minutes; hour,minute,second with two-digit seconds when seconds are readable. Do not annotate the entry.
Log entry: 8,44
